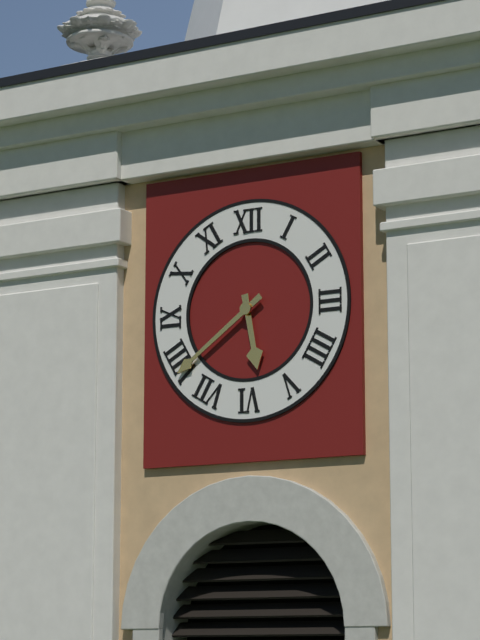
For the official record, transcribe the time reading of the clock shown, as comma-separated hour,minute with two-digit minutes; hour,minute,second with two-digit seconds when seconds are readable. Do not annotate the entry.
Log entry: 5,39
